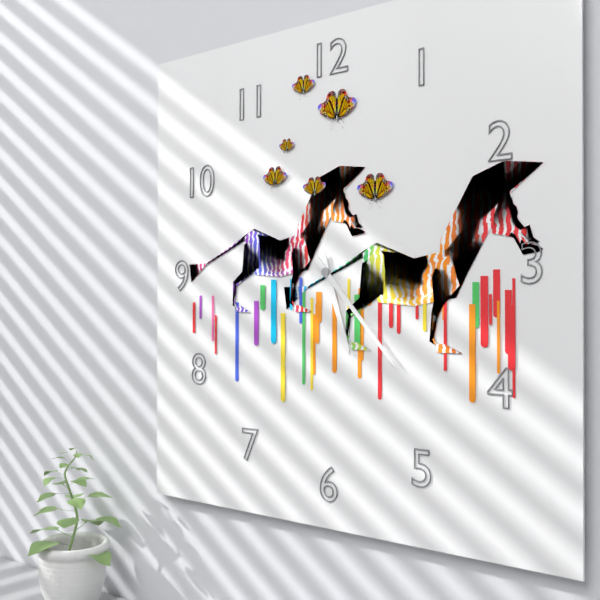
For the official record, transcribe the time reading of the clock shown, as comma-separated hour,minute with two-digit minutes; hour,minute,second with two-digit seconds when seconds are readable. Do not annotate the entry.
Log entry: 5,23
